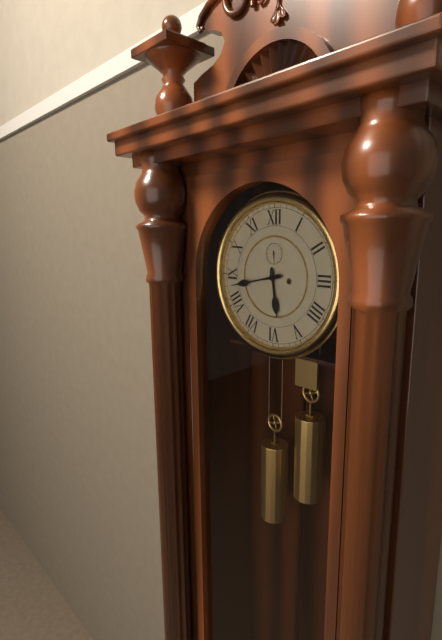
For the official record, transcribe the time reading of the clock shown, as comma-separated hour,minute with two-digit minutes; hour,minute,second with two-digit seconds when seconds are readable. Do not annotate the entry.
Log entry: 5,43
